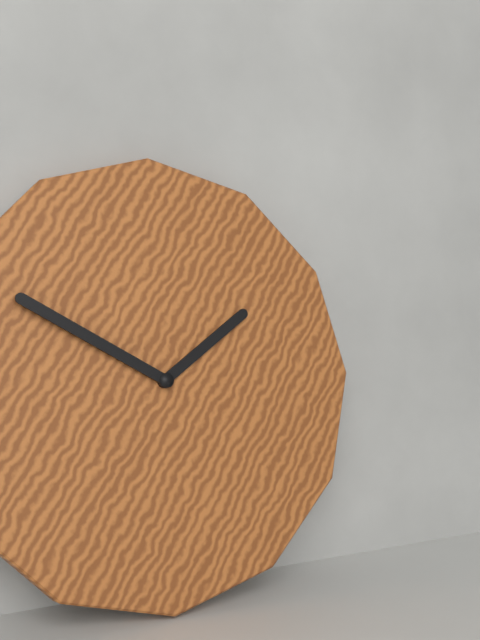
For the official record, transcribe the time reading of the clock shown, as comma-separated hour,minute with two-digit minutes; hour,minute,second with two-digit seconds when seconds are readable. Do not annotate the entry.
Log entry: 1,50
